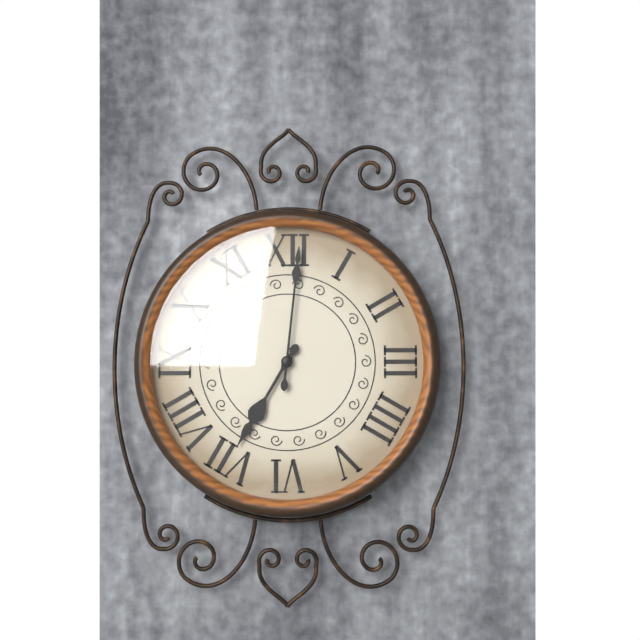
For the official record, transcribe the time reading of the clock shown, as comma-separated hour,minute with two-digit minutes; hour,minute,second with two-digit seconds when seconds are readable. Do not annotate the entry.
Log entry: 7,01
